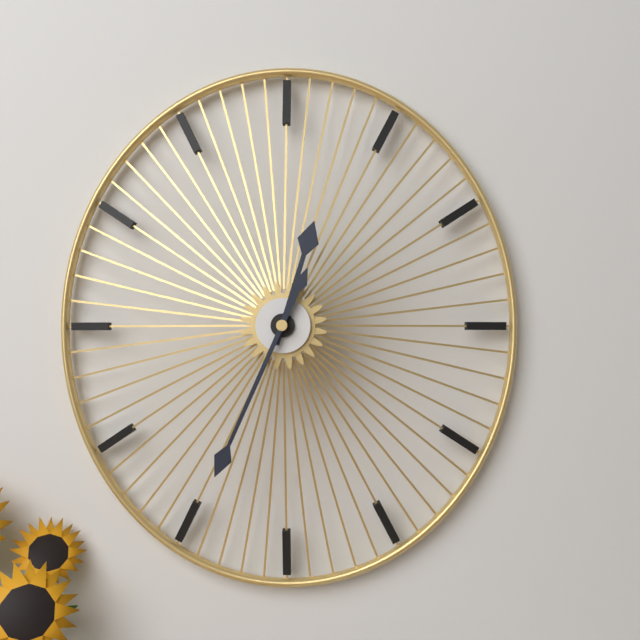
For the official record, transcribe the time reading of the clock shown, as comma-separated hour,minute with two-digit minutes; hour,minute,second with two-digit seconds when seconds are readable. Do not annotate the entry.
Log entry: 12,34
